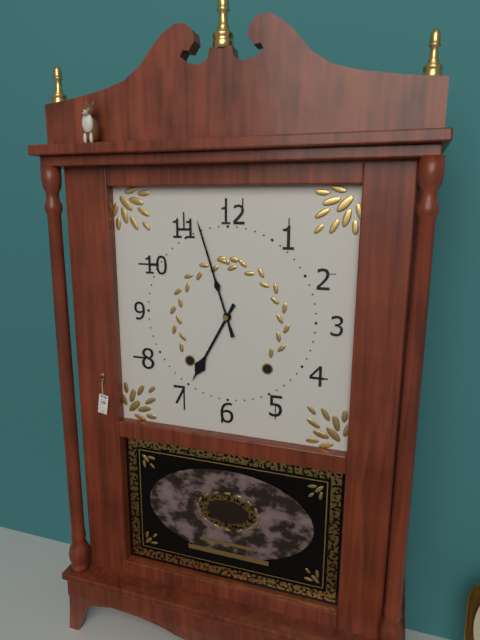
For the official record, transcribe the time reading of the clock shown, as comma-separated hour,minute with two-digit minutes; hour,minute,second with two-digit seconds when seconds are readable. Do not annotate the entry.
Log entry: 6,57
